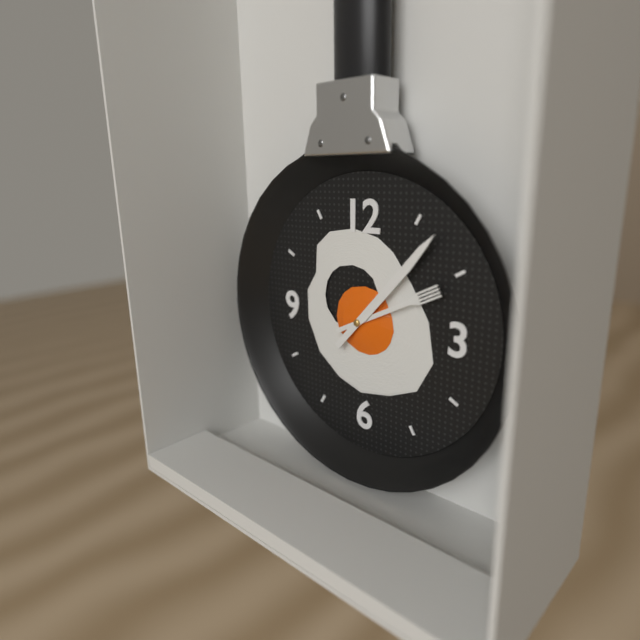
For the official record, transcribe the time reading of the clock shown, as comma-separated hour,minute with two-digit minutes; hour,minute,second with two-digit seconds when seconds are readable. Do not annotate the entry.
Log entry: 2,07
